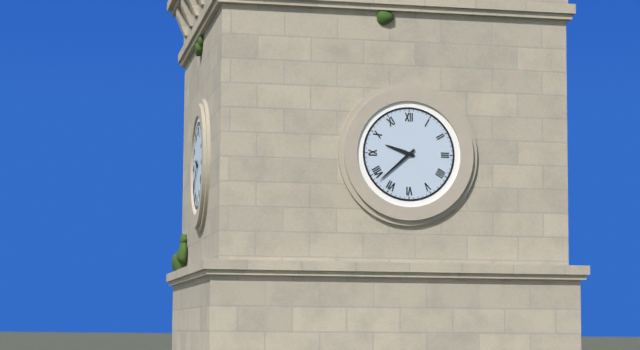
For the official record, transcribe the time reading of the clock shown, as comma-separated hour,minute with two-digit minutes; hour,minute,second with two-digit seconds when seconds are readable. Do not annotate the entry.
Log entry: 9,38
